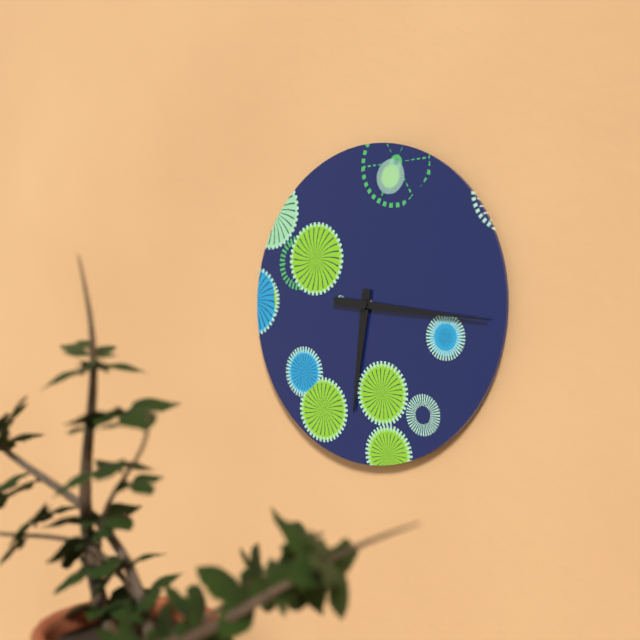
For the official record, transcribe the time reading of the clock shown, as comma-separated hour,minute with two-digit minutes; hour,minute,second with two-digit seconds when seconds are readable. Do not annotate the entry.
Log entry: 6,16
